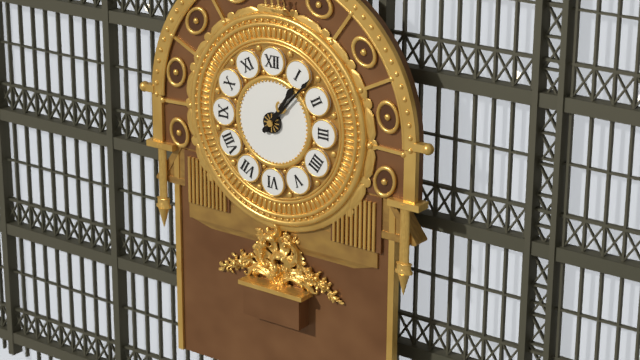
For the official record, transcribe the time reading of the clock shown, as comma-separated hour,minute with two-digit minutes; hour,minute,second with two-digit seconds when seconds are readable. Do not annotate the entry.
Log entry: 1,07
